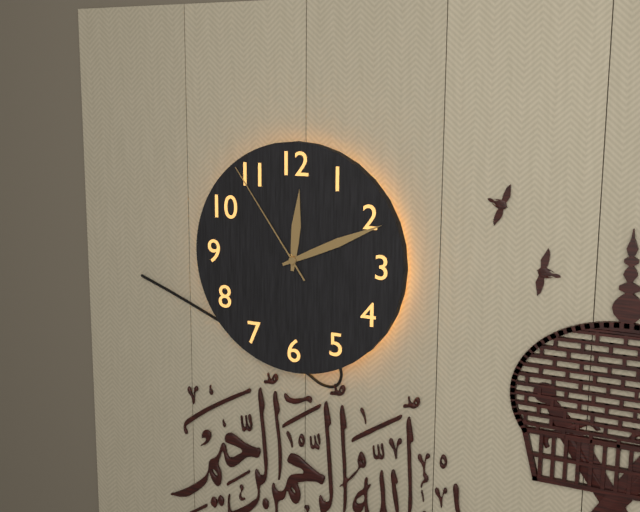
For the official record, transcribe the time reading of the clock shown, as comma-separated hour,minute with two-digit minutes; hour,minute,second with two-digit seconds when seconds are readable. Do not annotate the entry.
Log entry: 12,11,54
